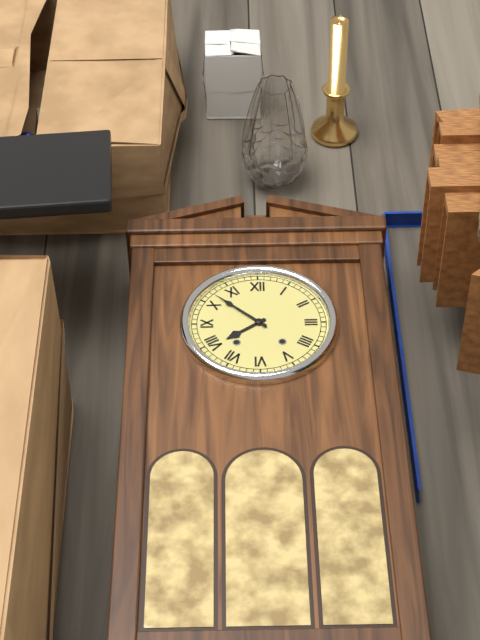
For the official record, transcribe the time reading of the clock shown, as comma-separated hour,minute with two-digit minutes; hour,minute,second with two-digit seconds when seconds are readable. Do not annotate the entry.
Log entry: 7,52
